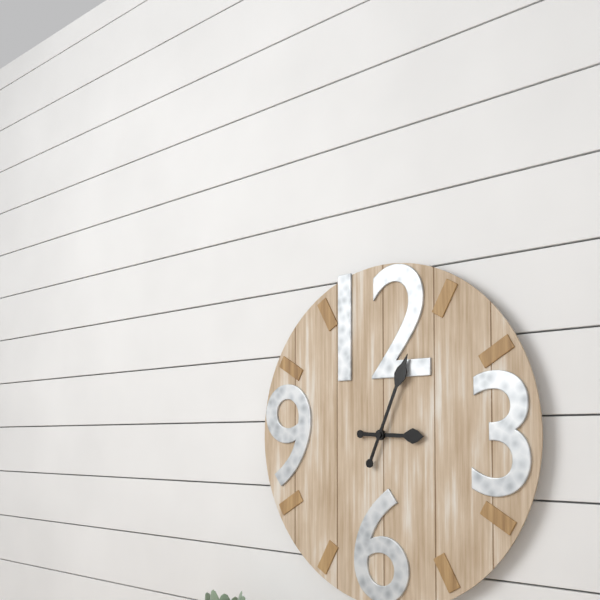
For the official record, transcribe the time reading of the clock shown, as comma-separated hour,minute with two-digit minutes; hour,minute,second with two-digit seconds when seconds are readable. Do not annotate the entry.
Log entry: 3,04
